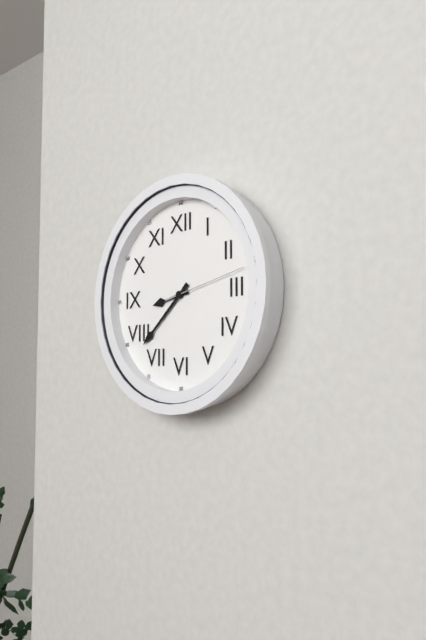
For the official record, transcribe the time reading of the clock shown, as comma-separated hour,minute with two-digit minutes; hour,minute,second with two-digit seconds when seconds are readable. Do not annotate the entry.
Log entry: 8,38,13
